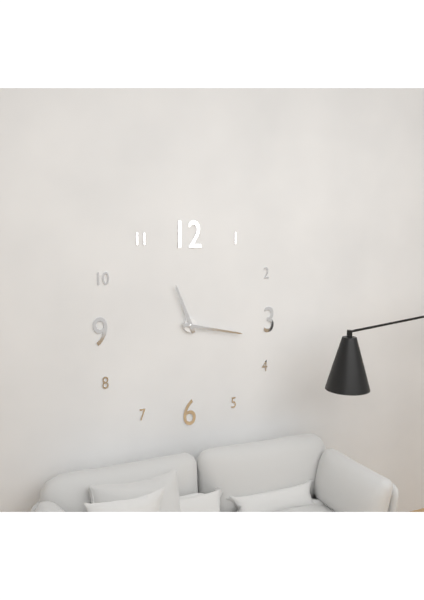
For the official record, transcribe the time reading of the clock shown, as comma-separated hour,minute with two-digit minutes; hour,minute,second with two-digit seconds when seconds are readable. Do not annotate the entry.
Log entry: 11,17
